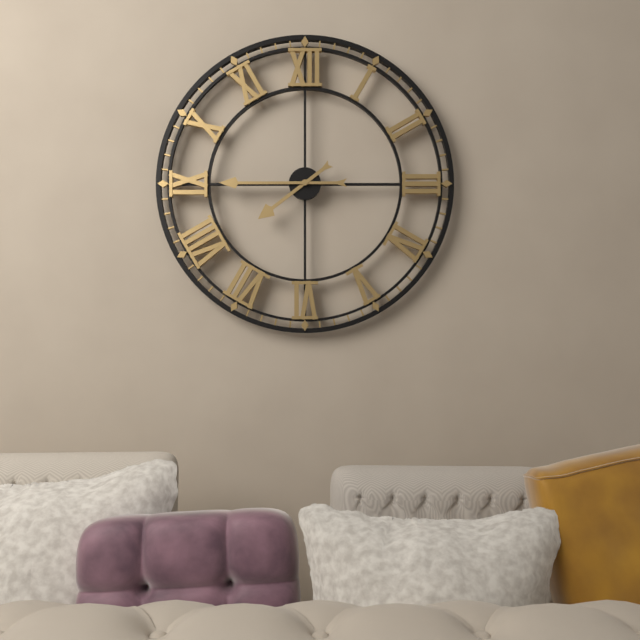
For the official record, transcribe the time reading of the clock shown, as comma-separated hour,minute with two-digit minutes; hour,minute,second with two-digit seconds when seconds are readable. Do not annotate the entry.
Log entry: 7,45
